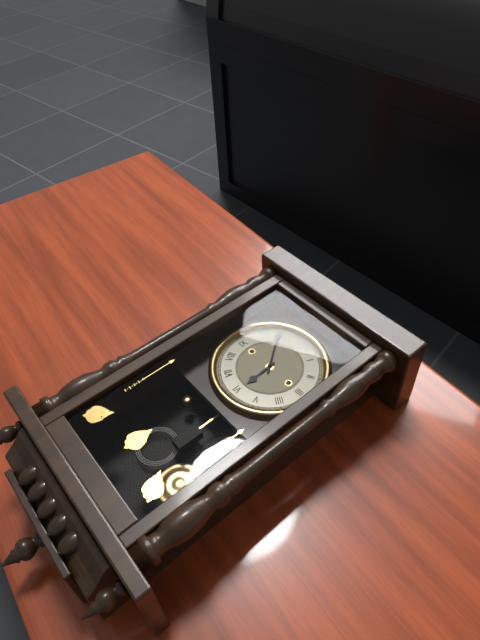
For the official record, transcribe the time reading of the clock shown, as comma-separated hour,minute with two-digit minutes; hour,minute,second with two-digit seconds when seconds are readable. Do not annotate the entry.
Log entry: 5,54
